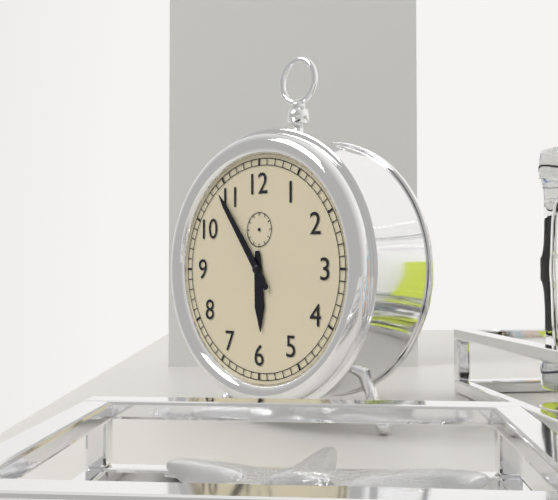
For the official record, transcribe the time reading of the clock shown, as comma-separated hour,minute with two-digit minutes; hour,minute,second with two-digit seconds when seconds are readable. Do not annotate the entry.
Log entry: 5,54
